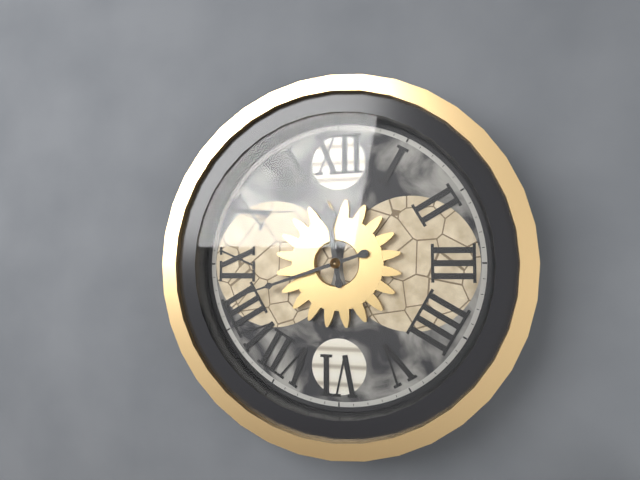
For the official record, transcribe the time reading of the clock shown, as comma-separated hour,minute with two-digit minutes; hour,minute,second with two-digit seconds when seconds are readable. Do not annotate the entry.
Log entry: 11,42
